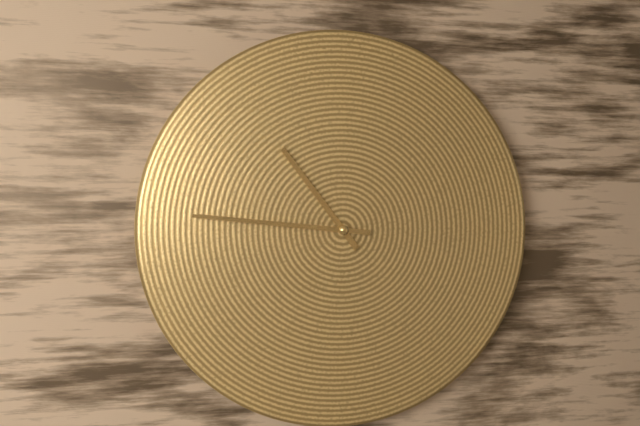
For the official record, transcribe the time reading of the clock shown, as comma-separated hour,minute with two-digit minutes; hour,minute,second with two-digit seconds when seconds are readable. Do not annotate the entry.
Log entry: 10,46
